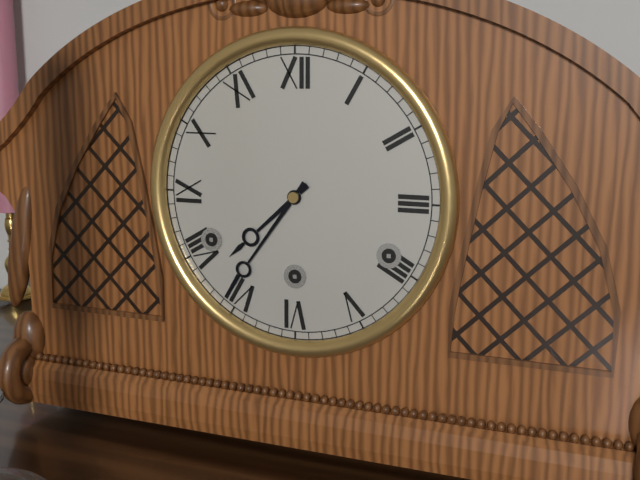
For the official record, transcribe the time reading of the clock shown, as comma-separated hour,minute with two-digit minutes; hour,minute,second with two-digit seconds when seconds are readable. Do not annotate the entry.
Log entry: 7,36
